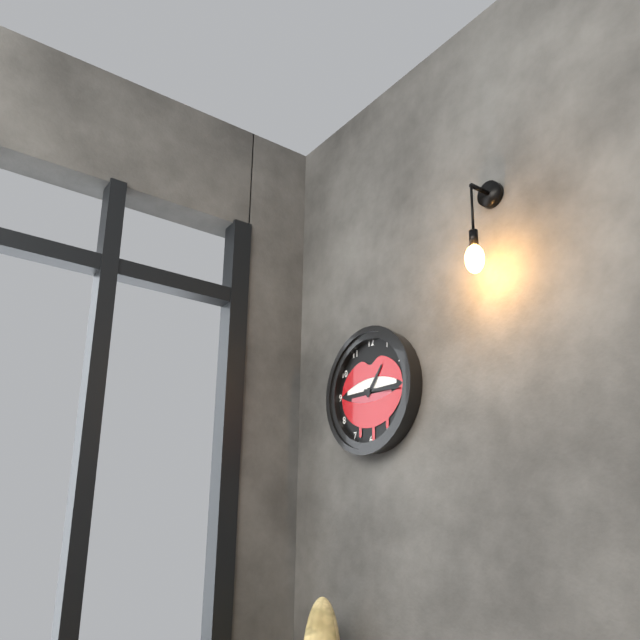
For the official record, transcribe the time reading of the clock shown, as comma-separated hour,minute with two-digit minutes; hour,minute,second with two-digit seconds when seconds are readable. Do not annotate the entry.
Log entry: 1,16
